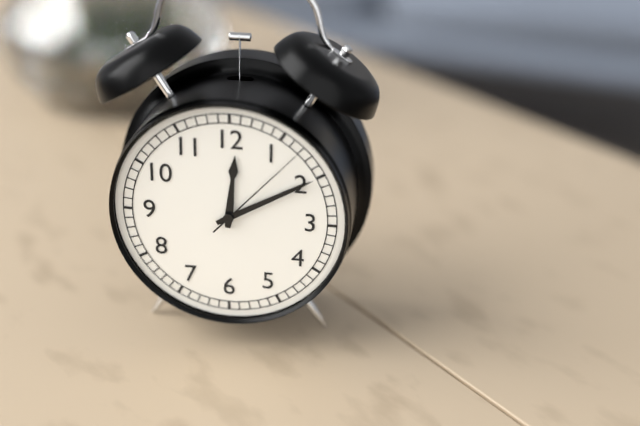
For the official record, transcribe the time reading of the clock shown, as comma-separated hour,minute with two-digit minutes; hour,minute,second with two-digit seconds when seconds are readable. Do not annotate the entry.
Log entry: 12,10,07
